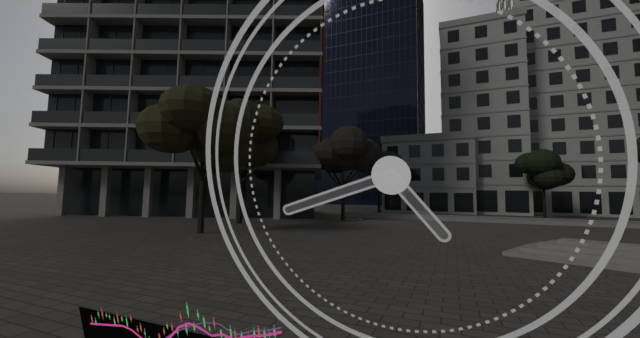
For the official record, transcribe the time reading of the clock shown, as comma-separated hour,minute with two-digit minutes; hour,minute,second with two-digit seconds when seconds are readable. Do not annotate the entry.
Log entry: 4,42
